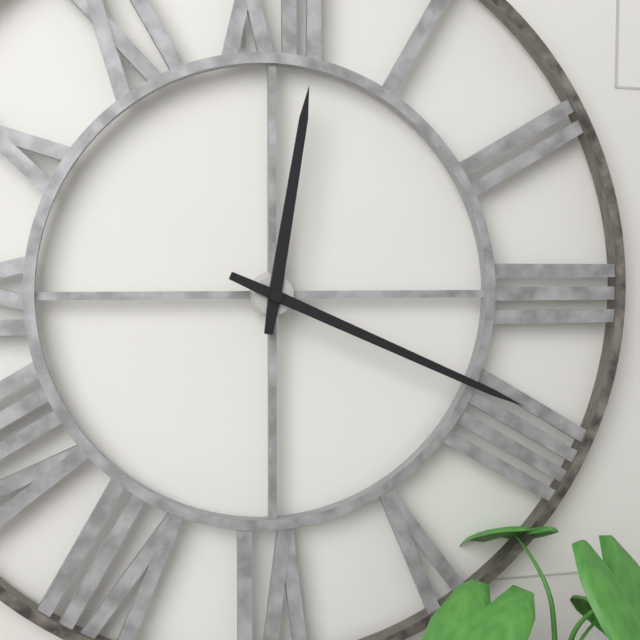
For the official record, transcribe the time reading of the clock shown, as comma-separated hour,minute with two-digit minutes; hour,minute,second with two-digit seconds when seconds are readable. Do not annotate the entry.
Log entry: 12,19
